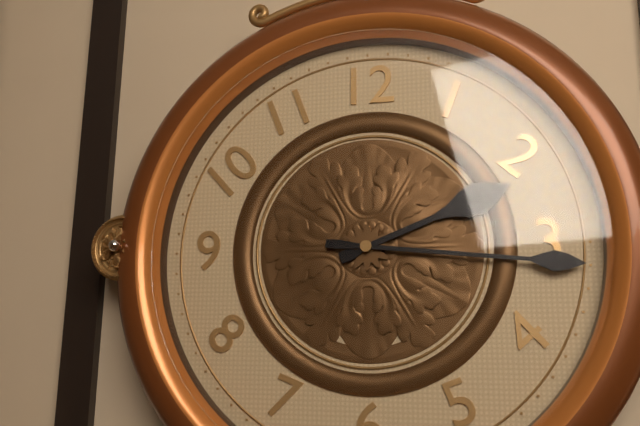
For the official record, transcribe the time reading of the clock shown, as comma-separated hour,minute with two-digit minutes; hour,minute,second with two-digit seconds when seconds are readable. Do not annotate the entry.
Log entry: 2,16
